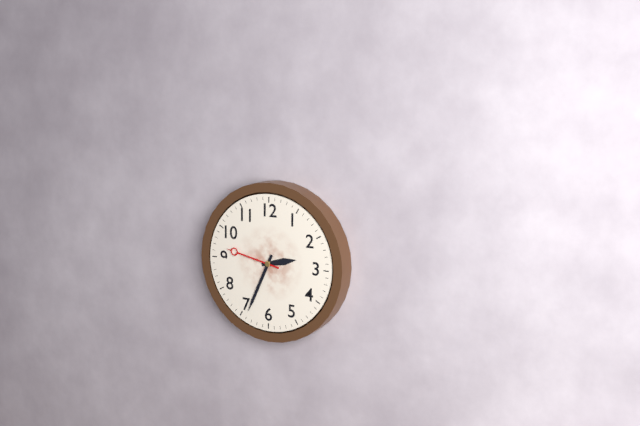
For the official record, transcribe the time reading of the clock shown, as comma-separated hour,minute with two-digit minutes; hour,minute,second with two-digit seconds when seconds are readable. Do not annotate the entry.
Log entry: 2,34,47
